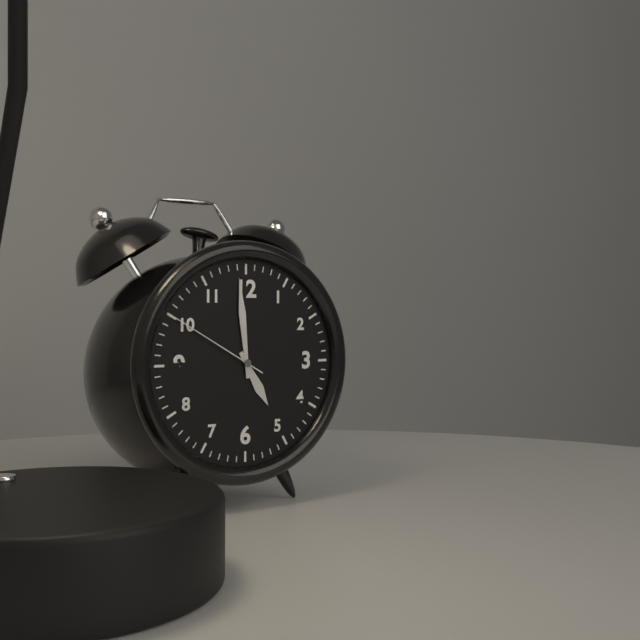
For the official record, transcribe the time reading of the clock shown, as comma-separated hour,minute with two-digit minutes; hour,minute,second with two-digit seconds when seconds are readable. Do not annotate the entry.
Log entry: 4,59,50
